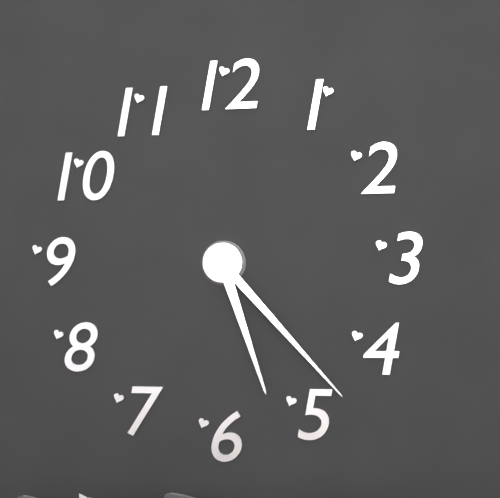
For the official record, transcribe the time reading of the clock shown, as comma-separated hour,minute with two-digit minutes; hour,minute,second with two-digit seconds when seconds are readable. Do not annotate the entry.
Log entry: 5,23
